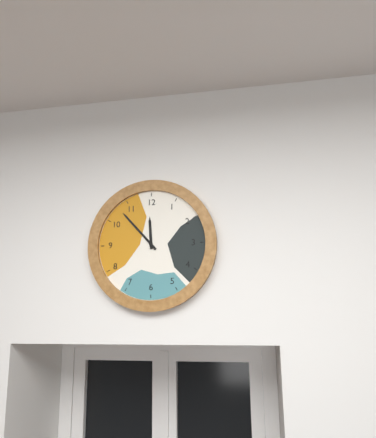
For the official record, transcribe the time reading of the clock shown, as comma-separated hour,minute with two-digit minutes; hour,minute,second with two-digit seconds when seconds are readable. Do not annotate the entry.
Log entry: 11,53
